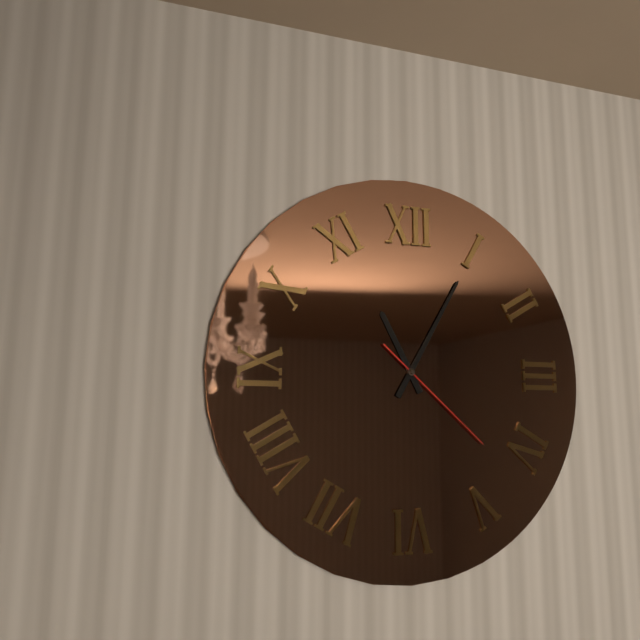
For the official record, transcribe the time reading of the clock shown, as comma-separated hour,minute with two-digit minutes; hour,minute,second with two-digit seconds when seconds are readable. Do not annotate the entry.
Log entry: 11,05,22
